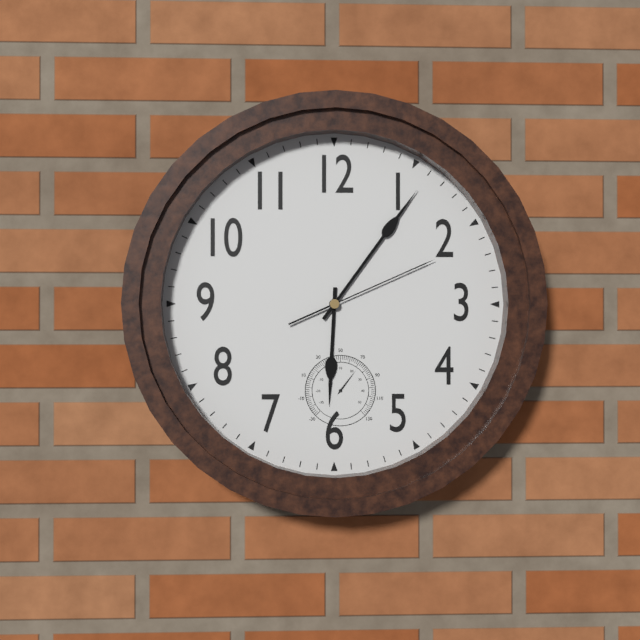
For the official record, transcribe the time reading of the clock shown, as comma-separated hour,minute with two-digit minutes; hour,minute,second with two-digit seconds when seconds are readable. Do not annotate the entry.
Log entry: 6,06,11
